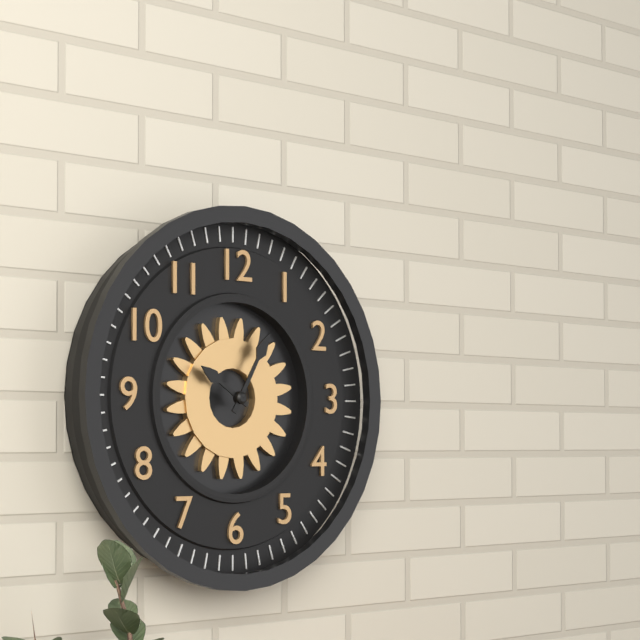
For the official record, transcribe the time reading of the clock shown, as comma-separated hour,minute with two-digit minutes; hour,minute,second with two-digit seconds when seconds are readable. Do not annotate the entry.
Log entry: 10,05
